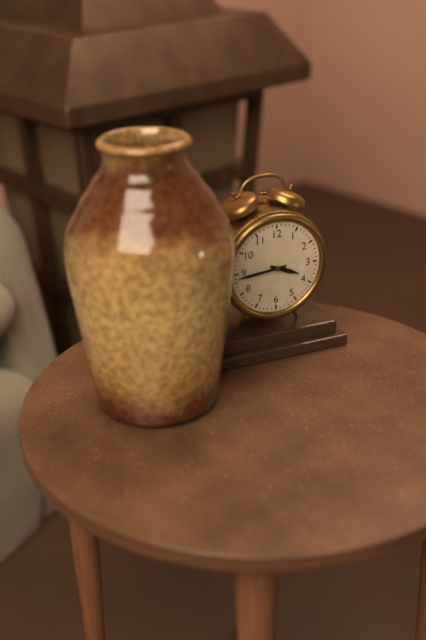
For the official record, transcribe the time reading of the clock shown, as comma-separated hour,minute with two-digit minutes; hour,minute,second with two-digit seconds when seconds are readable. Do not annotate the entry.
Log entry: 3,44
